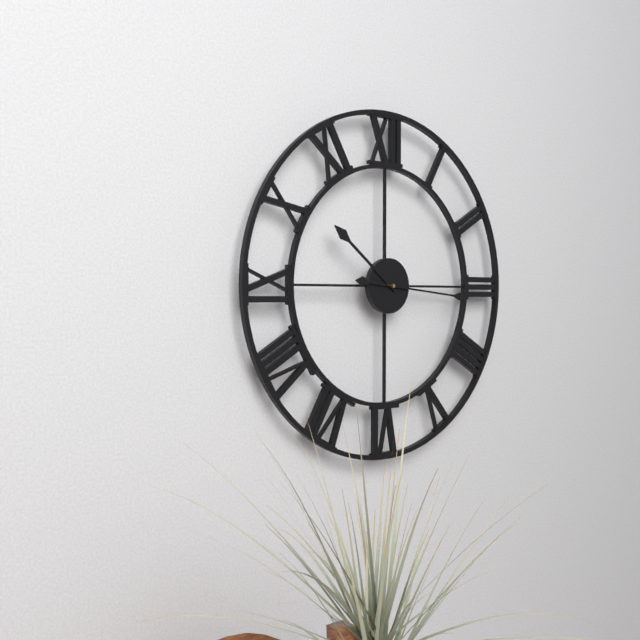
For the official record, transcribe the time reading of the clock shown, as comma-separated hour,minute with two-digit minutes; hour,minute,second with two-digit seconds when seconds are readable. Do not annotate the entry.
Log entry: 10,16
